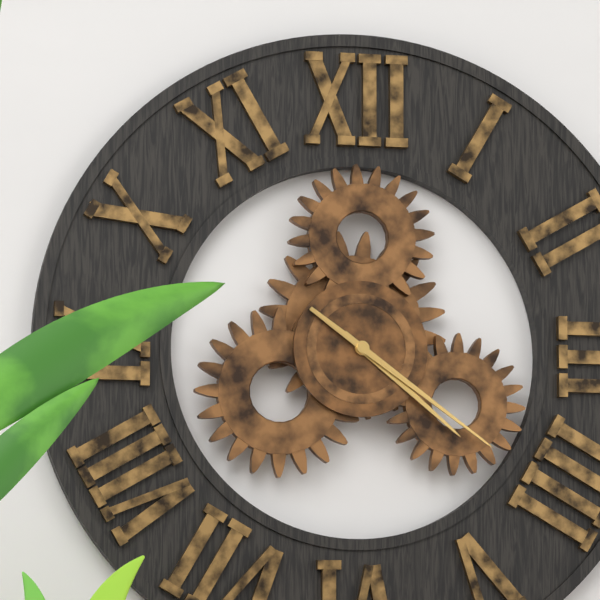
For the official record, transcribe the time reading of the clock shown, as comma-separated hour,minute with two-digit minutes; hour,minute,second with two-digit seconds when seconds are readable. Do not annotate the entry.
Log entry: 4,21
